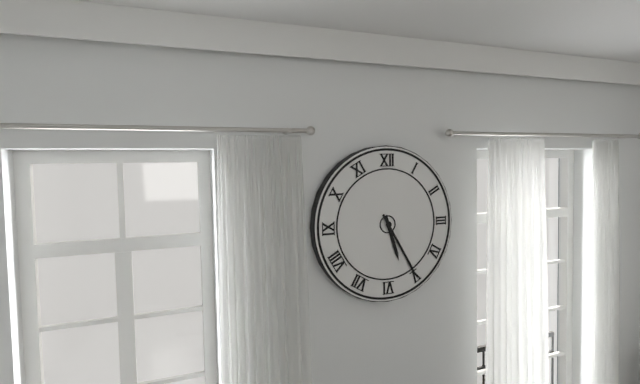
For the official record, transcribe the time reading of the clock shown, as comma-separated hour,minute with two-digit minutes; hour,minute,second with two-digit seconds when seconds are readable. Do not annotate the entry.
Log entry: 5,25
